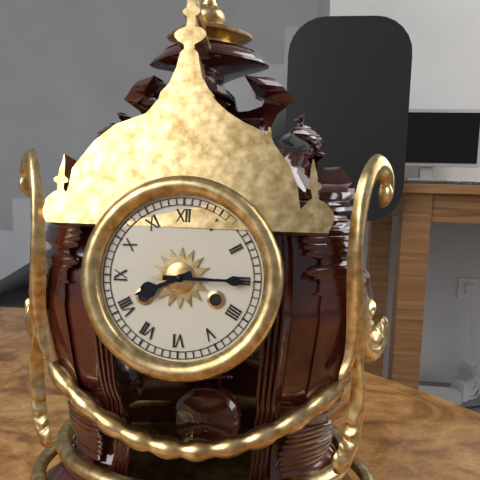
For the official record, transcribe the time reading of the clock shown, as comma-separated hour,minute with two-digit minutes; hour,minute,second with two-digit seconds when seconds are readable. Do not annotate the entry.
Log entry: 8,15
